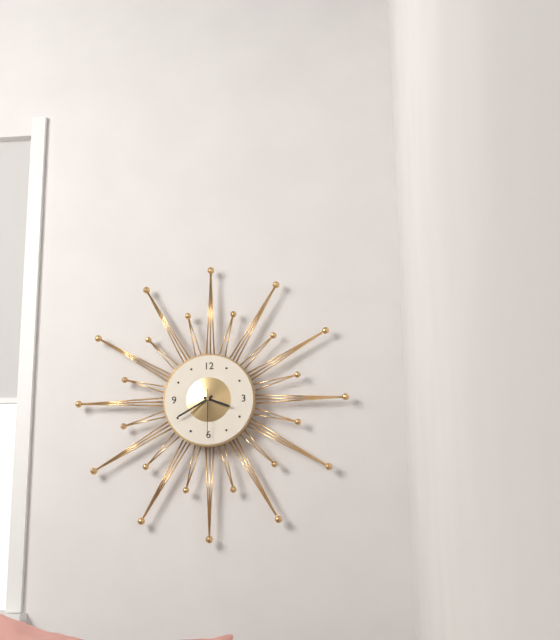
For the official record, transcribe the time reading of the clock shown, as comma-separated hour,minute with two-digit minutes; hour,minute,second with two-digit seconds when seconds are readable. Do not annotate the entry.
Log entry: 3,40
